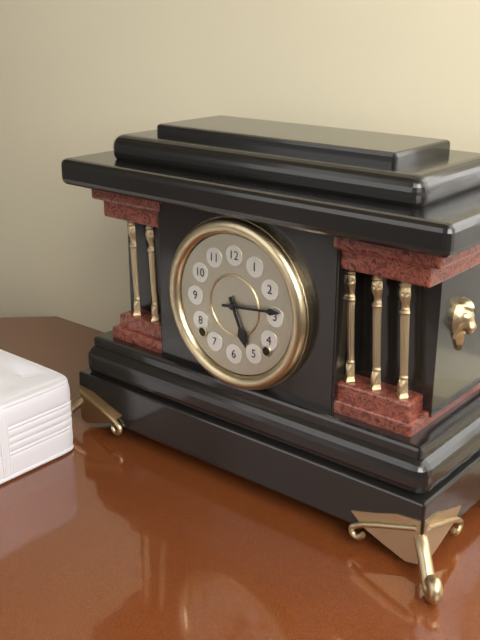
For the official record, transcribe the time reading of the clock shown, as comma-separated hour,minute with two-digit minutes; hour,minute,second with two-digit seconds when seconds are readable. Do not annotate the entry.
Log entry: 5,14
